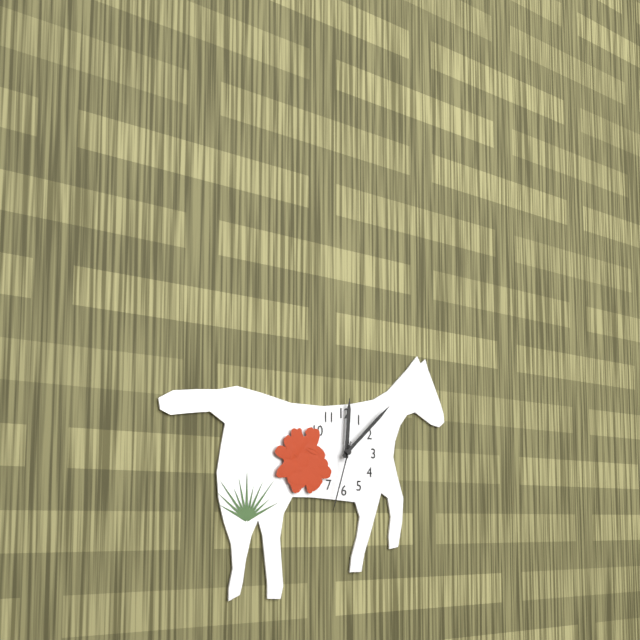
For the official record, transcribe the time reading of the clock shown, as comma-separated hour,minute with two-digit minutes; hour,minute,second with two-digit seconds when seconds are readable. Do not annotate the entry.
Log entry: 12,08,33
